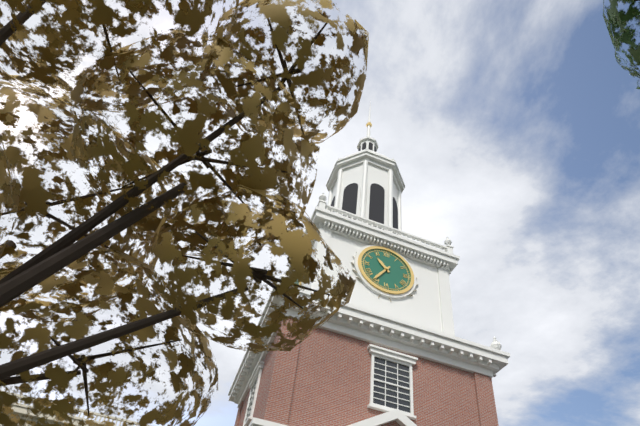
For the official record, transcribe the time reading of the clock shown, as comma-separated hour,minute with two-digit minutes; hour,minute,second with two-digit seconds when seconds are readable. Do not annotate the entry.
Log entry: 10,36
